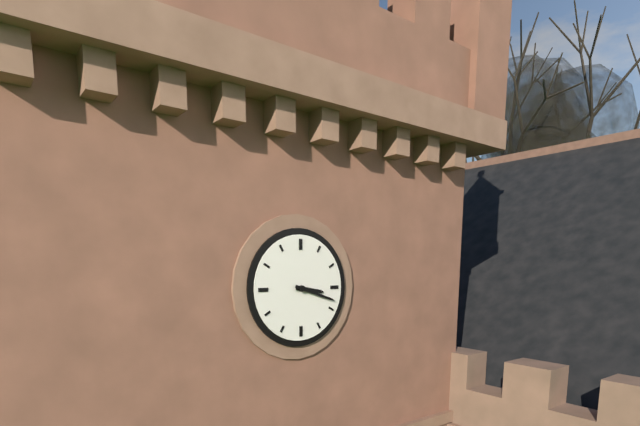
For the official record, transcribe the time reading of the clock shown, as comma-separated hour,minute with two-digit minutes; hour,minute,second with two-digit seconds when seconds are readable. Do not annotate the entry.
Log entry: 3,18
